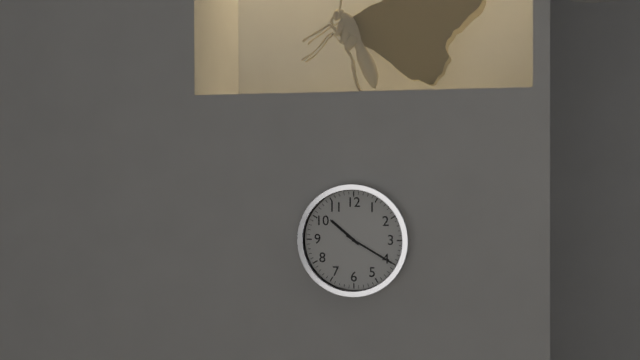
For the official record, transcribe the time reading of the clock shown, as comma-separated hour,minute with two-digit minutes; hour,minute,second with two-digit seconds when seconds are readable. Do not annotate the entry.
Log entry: 10,20
